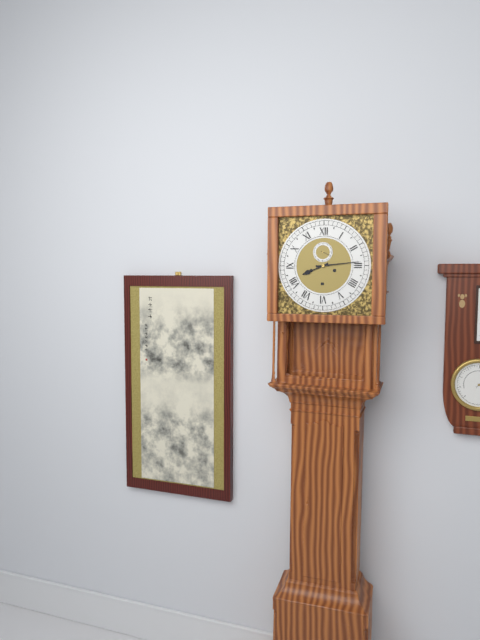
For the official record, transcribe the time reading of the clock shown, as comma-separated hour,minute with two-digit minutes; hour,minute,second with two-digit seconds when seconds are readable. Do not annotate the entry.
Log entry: 8,14
